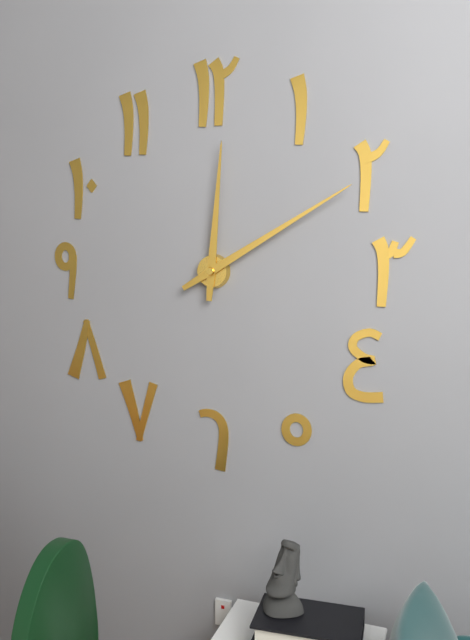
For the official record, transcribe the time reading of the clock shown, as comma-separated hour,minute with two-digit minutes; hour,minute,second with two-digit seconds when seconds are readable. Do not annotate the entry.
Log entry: 12,10
